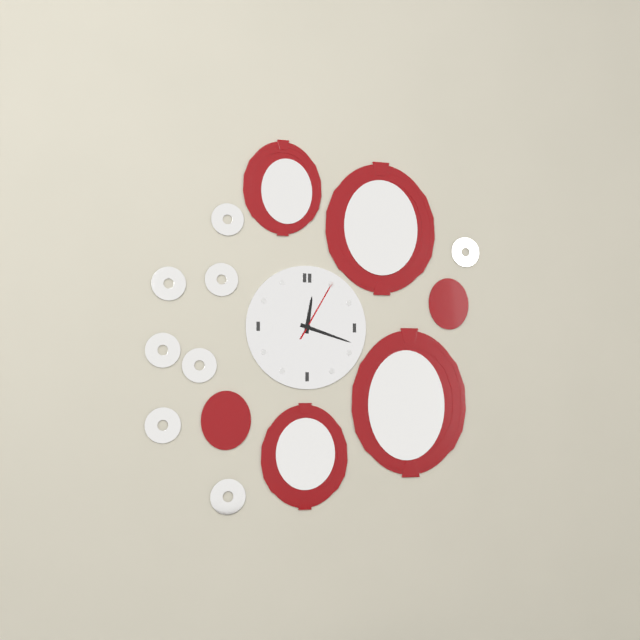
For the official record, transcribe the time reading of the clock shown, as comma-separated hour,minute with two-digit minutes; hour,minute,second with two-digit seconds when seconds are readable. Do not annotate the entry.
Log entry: 12,18,05
